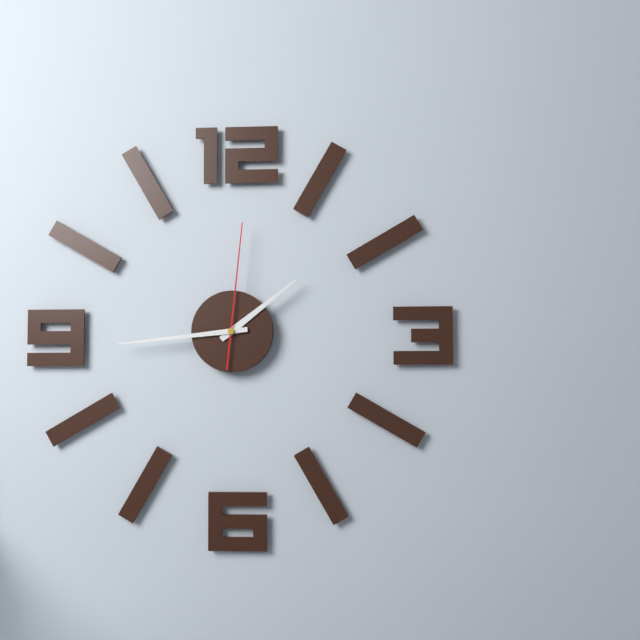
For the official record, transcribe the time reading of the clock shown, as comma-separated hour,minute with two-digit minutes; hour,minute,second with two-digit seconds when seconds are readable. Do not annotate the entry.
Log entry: 1,44,01
